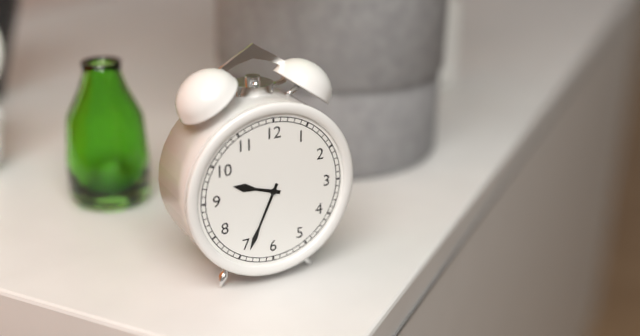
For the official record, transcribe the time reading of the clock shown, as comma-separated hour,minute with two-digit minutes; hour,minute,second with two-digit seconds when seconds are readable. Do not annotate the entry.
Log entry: 9,34
